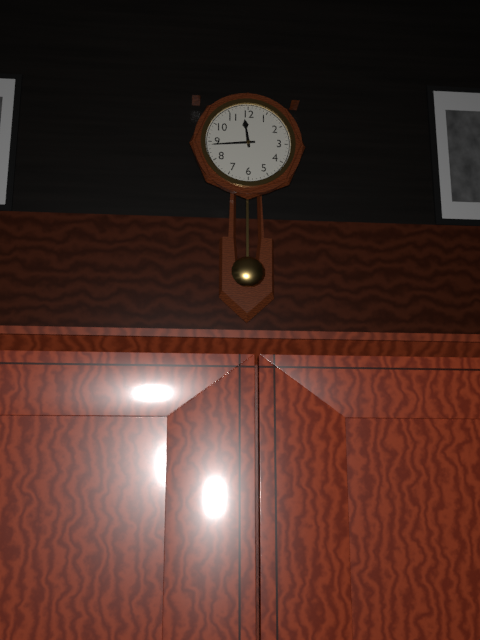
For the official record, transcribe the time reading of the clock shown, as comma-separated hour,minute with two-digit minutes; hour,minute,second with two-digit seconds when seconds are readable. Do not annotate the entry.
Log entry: 11,44
